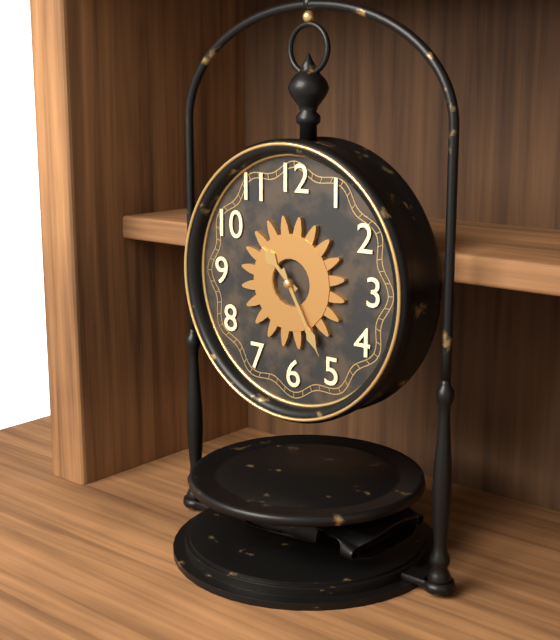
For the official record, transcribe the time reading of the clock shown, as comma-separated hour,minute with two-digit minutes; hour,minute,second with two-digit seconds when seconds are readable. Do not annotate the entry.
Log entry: 10,25
